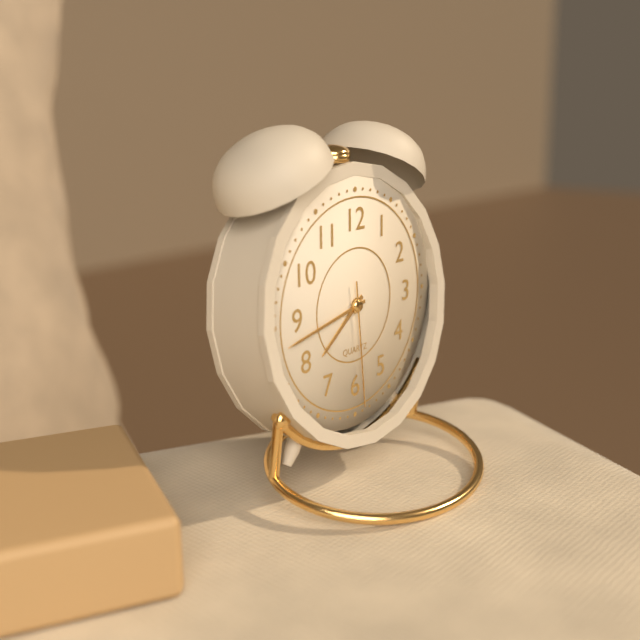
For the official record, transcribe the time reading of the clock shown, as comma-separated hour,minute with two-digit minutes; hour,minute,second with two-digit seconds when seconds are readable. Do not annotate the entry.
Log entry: 7,43,29
